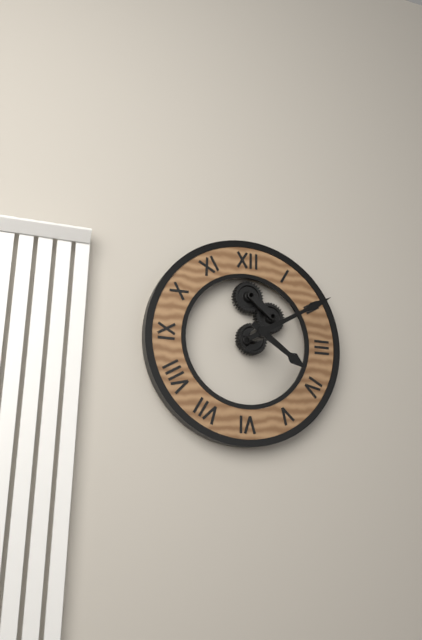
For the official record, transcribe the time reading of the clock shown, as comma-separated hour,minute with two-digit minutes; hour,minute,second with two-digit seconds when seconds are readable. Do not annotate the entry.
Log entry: 4,10
